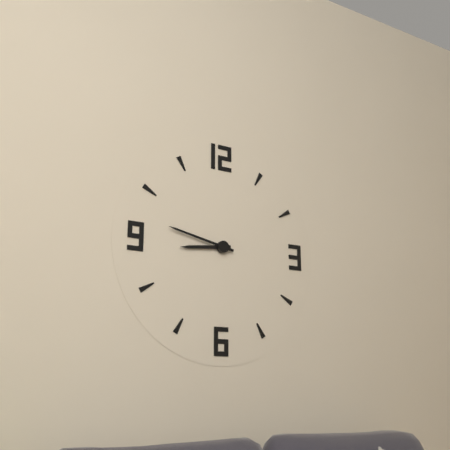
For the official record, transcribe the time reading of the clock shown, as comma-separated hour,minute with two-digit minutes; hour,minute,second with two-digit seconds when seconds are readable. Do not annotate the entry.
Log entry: 8,47
